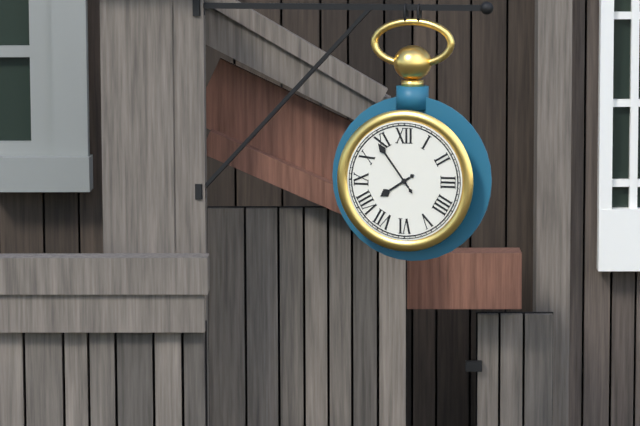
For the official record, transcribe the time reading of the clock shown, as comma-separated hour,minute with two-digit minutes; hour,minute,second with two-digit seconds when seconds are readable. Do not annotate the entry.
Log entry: 7,54
